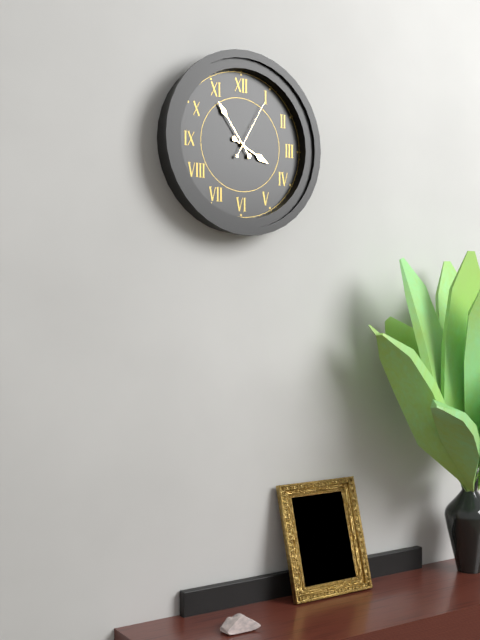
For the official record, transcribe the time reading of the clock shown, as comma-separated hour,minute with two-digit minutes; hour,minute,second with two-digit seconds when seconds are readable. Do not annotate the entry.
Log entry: 3,54,05
